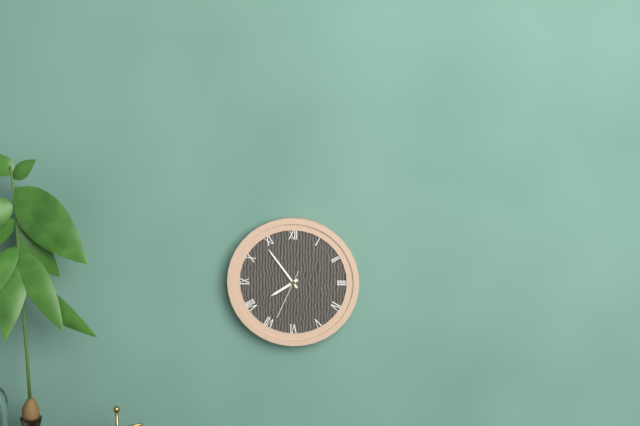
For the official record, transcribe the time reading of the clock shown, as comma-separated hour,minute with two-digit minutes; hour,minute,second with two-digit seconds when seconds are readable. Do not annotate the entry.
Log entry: 7,54
